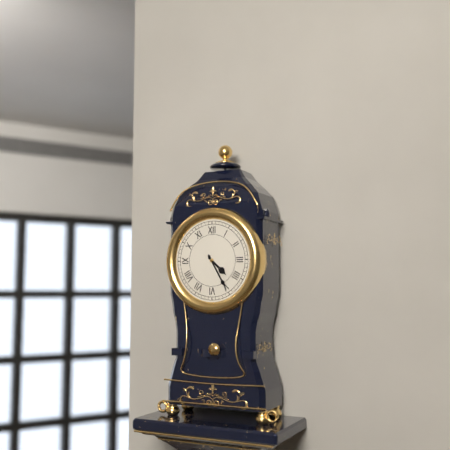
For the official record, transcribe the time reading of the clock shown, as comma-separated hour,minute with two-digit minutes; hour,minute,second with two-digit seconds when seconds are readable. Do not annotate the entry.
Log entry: 4,25
